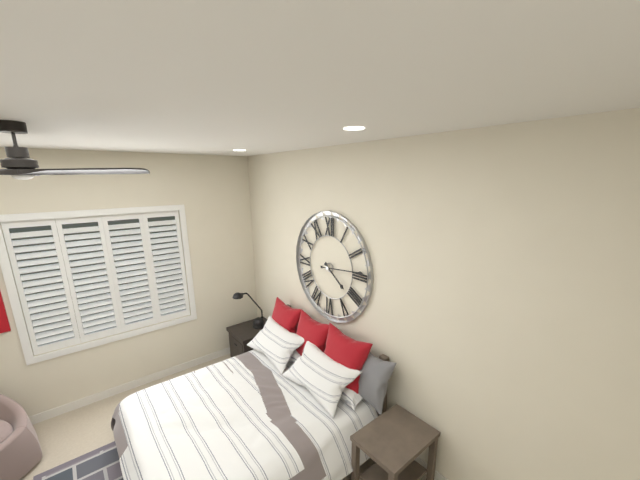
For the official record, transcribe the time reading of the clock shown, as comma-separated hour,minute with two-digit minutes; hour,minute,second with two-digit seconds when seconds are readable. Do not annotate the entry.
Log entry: 4,14
